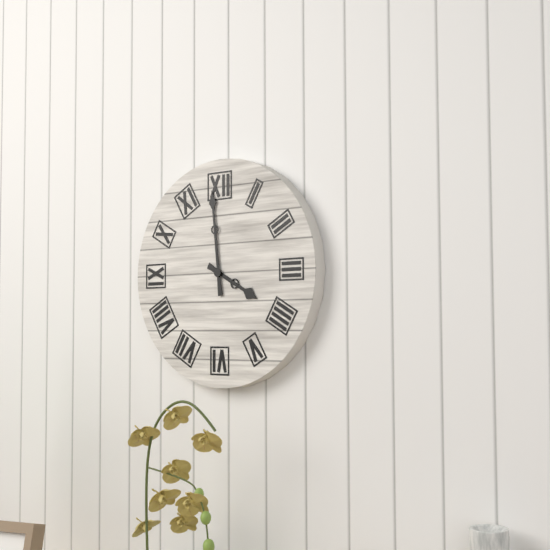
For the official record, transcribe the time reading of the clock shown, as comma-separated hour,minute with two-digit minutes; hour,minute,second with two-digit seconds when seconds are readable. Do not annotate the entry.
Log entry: 3,59
